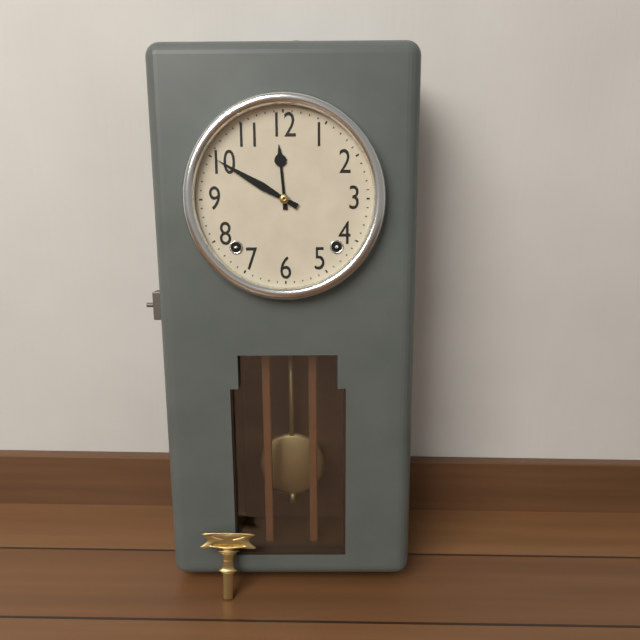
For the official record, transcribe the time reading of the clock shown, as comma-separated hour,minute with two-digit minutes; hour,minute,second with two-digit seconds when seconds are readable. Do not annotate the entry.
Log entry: 11,50
